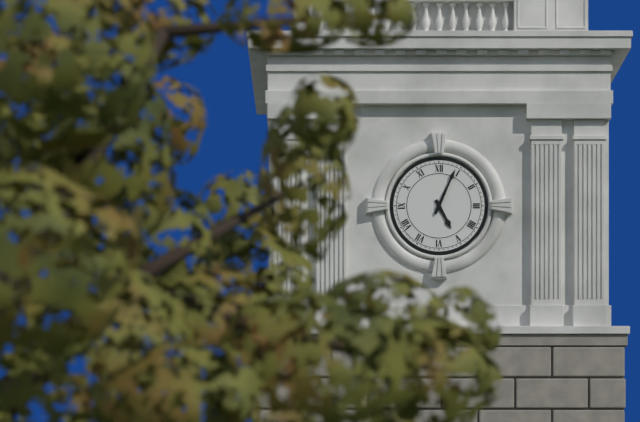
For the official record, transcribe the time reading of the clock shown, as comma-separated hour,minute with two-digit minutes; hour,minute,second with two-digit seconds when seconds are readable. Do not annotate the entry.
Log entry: 5,04
